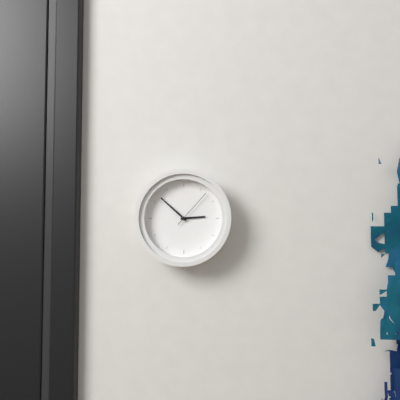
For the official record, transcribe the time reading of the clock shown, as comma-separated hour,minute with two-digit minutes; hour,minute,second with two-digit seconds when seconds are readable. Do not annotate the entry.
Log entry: 2,52
